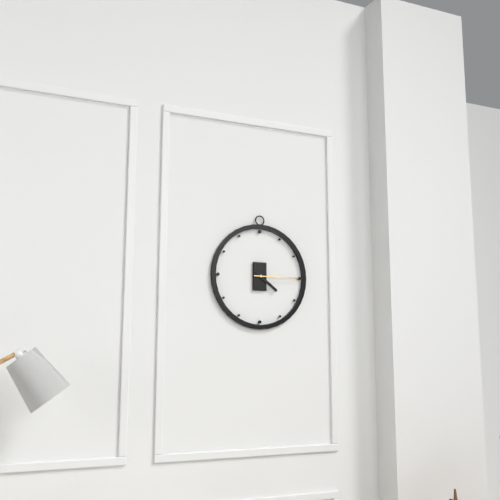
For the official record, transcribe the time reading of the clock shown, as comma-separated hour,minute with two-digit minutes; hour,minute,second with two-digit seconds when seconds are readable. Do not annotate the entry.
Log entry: 4,15
